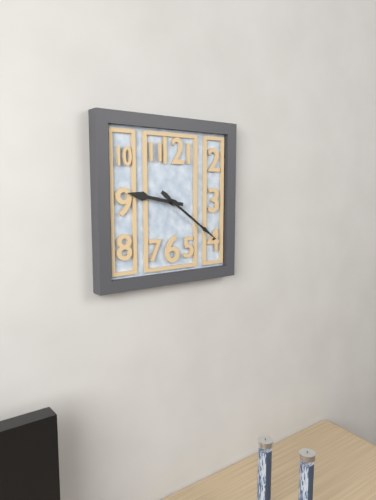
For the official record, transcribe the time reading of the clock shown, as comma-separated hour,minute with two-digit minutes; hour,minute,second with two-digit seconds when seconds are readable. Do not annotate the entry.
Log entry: 9,21
